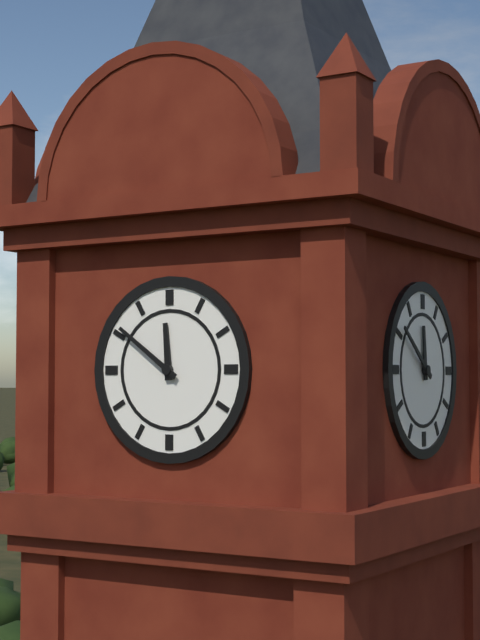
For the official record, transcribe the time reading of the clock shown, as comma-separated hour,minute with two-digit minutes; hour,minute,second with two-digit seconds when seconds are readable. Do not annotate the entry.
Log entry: 11,51
